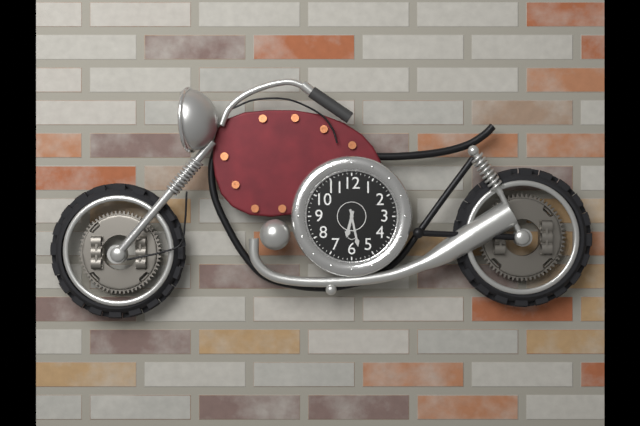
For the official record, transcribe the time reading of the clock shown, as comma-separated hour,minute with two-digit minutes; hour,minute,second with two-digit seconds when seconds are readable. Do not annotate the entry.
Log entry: 6,28
